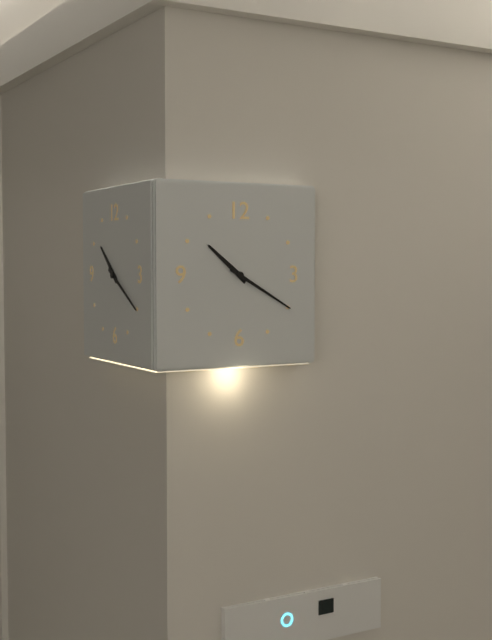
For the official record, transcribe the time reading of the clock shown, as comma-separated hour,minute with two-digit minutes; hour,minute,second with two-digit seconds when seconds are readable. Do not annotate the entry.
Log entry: 10,20
